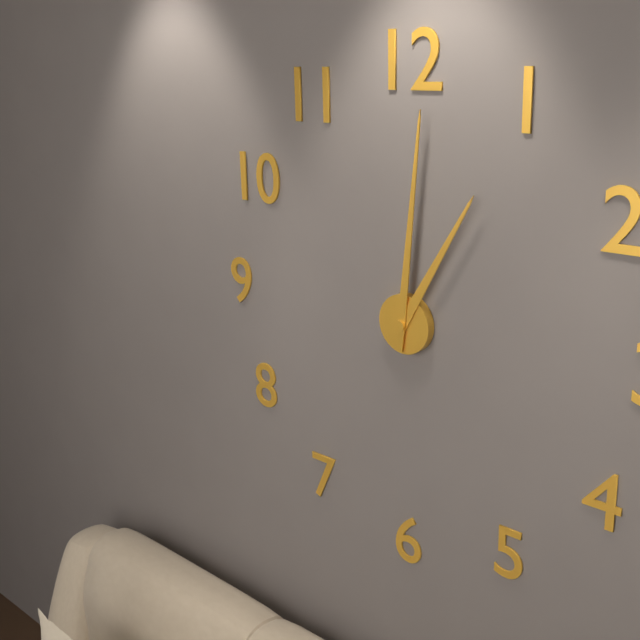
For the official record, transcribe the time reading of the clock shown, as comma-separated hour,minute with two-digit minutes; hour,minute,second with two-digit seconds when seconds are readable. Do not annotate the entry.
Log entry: 1,01
